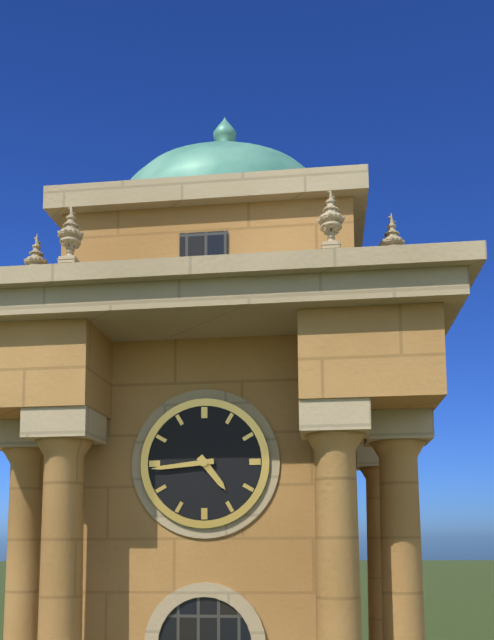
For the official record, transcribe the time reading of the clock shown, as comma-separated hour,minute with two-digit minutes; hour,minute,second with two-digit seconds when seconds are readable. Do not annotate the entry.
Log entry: 4,44
